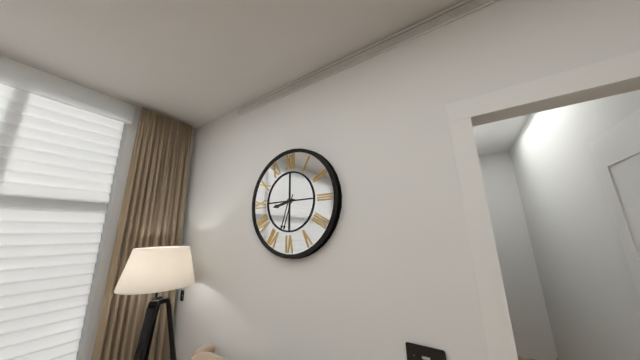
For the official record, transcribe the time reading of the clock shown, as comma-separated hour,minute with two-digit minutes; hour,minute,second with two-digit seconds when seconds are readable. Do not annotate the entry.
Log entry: 8,33
